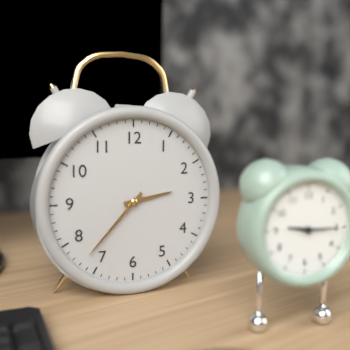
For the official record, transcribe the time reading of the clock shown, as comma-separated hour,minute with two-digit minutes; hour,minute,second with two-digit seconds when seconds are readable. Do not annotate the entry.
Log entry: 2,37
